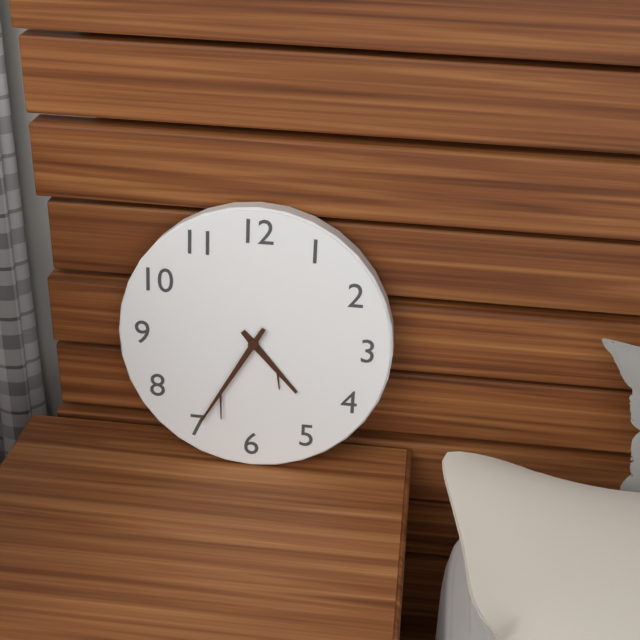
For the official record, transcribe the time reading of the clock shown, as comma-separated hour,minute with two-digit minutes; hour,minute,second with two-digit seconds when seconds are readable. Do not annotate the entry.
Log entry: 4,35
